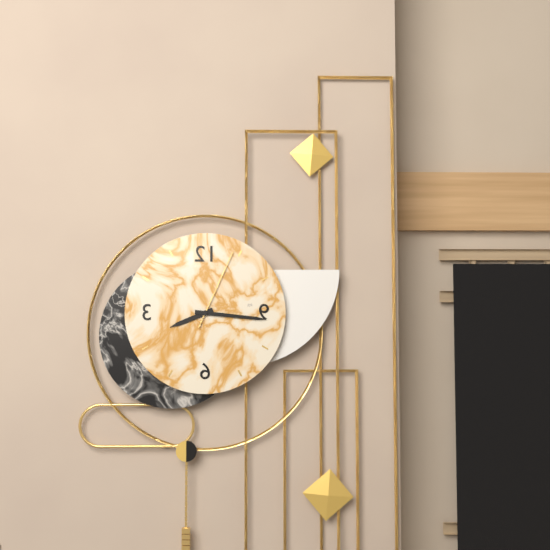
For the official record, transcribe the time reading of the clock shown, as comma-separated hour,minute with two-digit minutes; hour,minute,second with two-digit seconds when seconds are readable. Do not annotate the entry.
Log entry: 8,16,04
